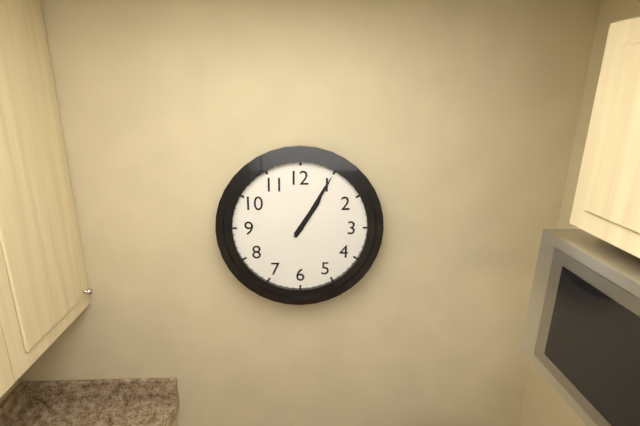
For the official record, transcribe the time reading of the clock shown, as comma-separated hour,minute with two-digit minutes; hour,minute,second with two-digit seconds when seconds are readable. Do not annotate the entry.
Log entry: 1,05
